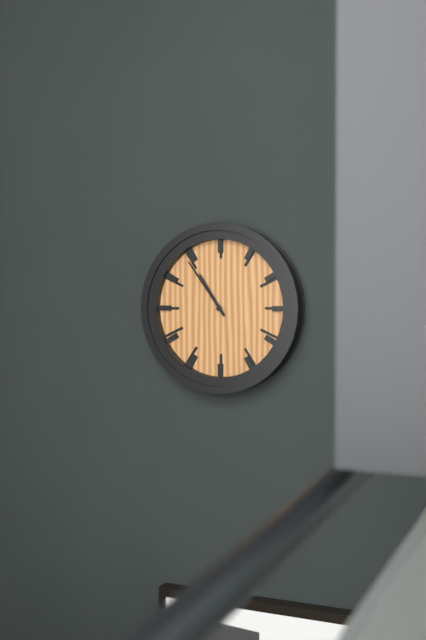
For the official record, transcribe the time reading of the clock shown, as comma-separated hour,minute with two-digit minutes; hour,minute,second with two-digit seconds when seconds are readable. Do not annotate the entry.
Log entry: 10,54
